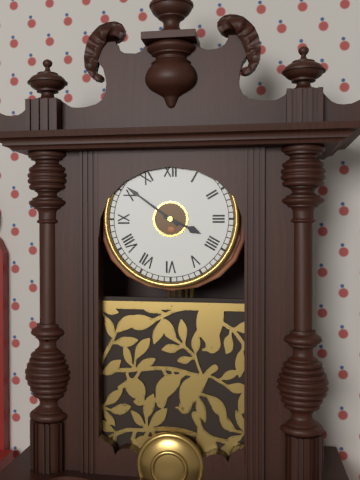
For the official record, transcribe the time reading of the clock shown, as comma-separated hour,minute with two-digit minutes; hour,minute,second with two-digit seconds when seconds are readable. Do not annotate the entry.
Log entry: 3,51
